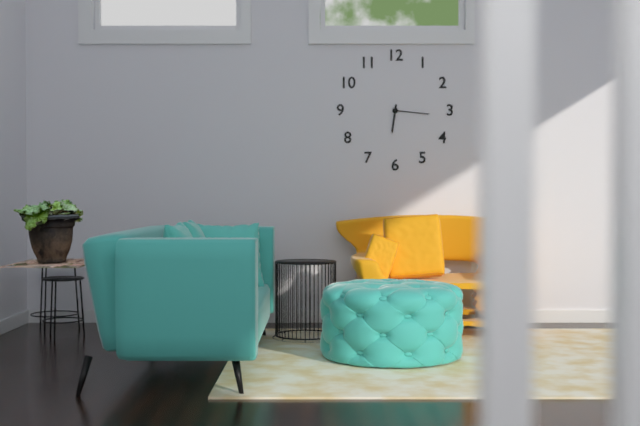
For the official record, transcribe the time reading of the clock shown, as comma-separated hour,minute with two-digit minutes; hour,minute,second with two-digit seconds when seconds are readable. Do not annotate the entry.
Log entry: 6,16
